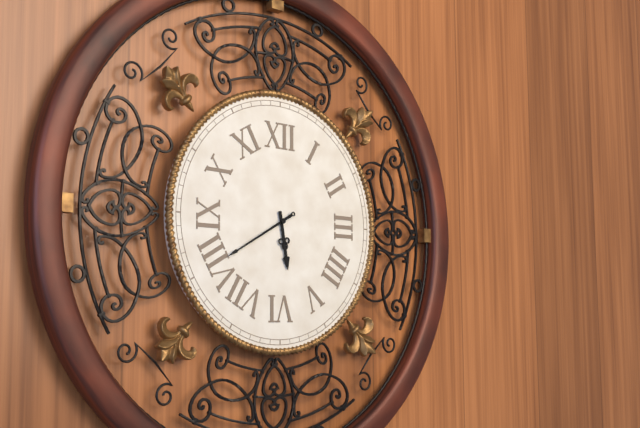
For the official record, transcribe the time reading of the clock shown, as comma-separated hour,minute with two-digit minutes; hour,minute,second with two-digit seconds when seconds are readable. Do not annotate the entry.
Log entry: 5,40
